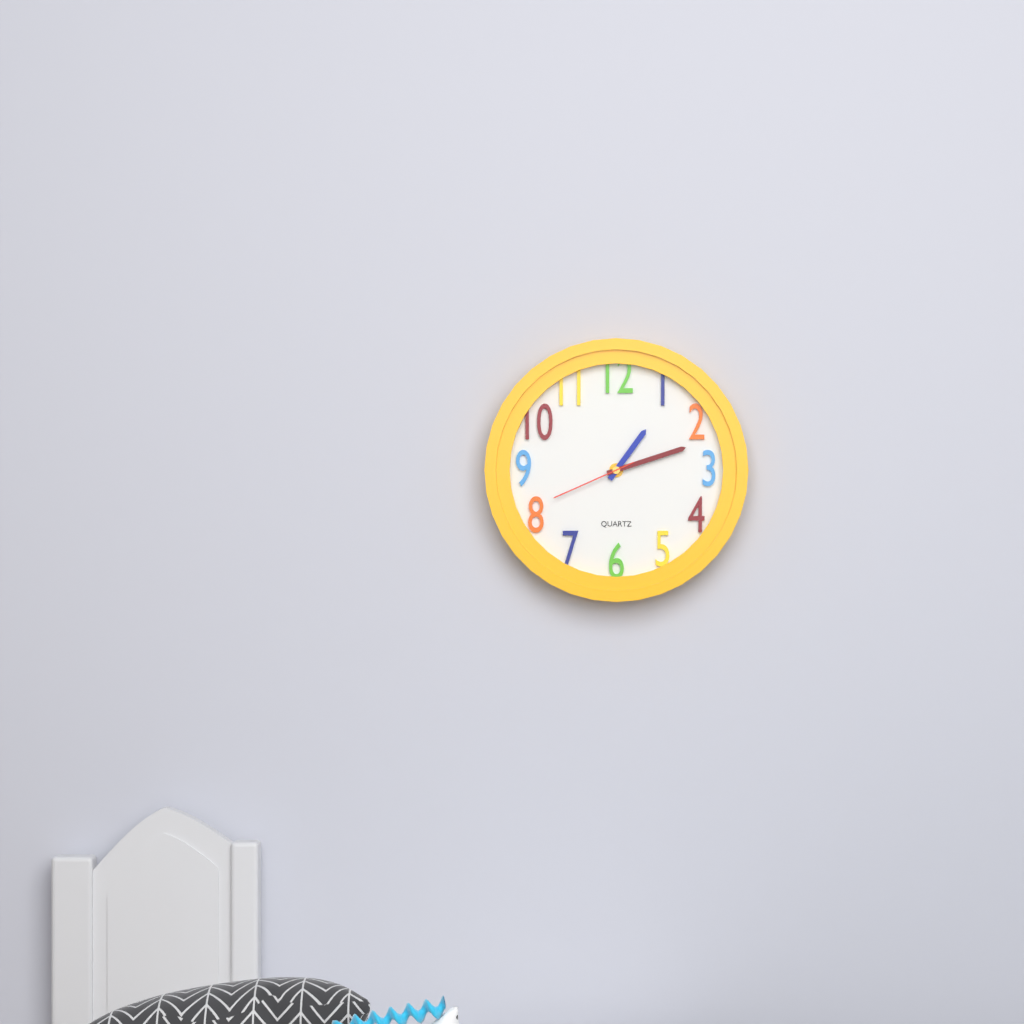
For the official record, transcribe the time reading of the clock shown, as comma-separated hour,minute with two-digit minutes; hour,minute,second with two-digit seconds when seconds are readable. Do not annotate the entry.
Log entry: 1,12,41
